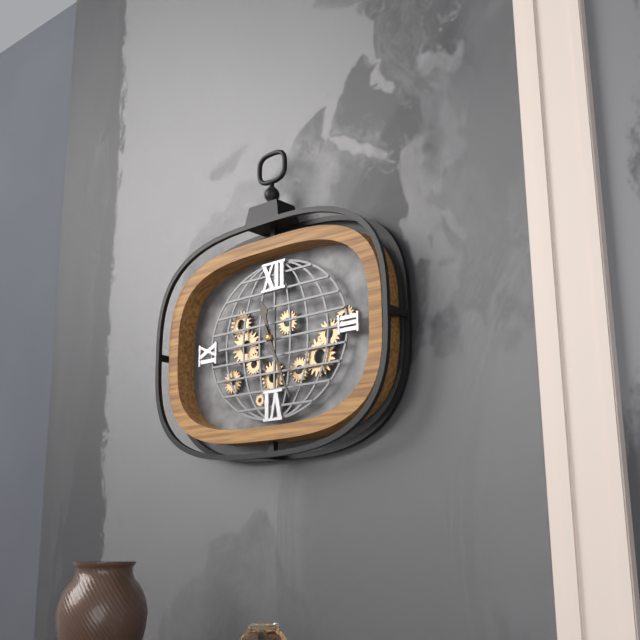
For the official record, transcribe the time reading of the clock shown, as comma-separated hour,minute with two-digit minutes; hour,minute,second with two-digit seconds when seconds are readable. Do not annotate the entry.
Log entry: 11,26
